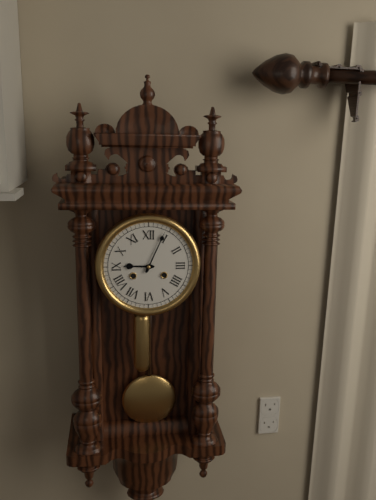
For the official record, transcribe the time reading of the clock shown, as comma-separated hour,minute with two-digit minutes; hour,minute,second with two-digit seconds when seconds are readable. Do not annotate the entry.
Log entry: 9,04
